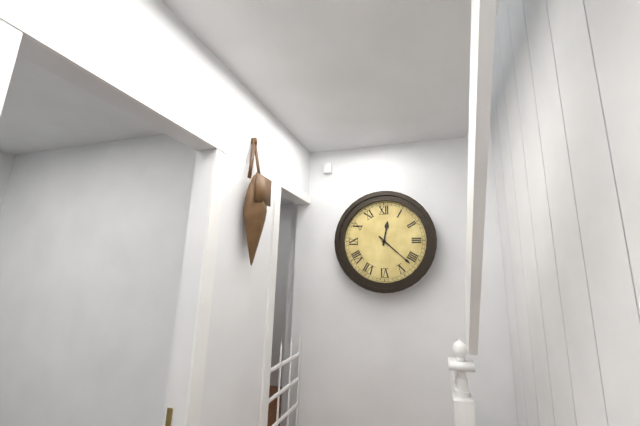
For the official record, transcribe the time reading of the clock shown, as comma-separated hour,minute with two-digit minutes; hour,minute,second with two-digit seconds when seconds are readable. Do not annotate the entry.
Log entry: 12,22
